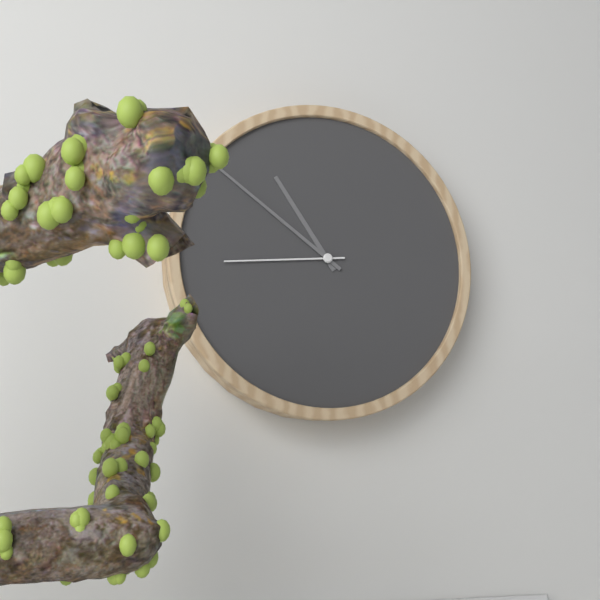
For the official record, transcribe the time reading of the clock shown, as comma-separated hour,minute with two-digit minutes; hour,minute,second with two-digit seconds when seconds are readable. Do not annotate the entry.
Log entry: 10,51,44
